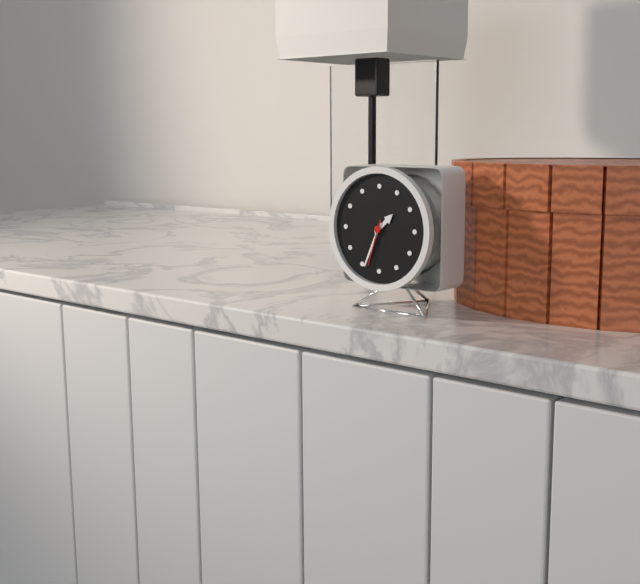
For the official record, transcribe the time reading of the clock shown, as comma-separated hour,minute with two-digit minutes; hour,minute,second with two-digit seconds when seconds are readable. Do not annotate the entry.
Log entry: 1,34
